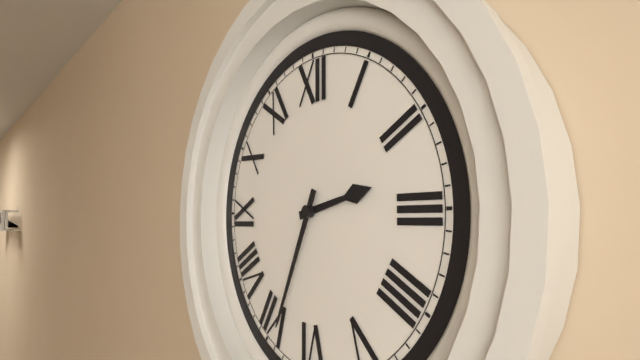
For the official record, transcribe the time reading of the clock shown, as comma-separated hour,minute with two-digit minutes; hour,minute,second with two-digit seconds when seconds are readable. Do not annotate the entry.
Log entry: 2,34
